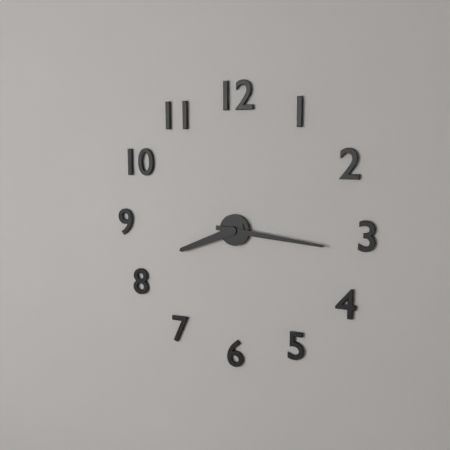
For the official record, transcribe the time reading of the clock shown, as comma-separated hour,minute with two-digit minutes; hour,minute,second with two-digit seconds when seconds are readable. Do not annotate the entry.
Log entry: 8,16
